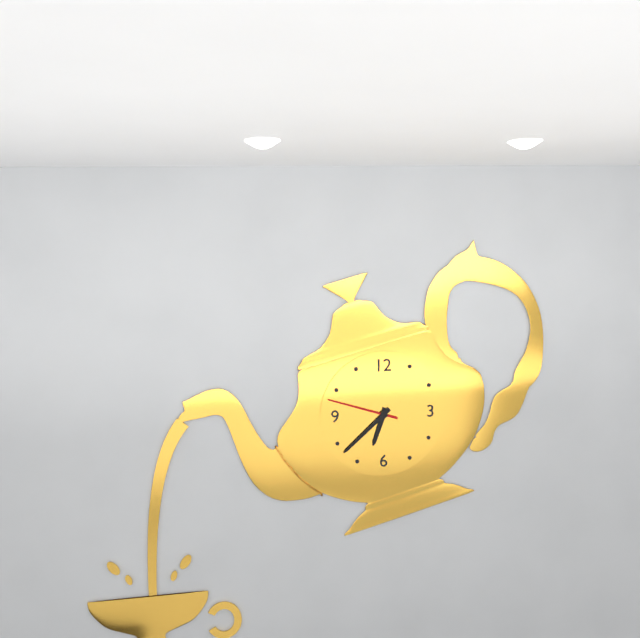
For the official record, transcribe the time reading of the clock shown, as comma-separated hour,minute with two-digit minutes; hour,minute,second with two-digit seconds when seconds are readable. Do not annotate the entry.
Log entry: 6,38,48
